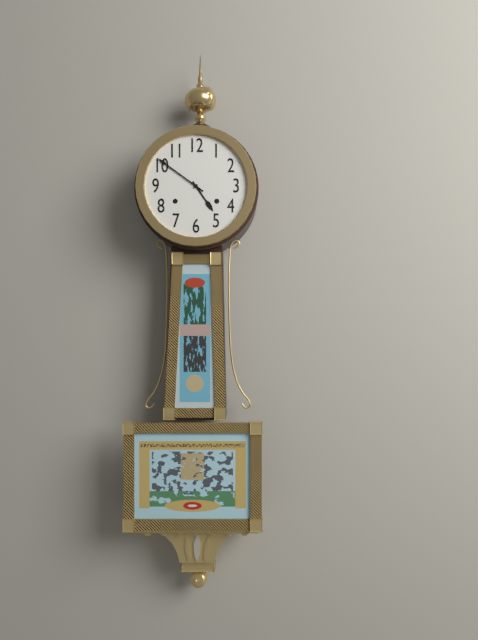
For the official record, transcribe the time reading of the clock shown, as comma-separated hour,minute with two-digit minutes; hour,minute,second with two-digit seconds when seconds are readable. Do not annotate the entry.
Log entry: 4,51
